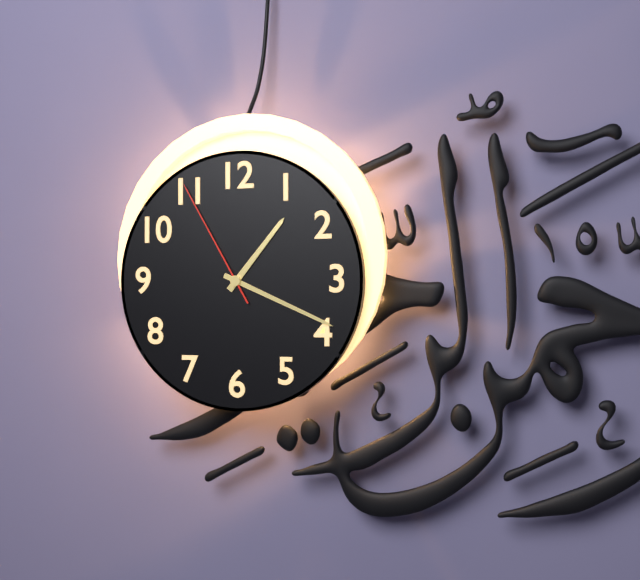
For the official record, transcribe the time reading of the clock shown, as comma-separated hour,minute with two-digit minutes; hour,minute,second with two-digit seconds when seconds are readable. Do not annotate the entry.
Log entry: 1,19,55
